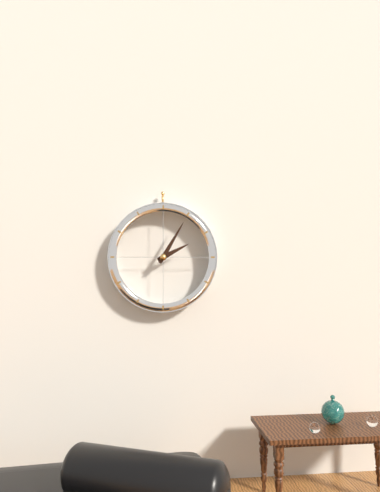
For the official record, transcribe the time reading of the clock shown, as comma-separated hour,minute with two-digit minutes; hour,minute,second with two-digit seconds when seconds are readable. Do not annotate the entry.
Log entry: 2,05
